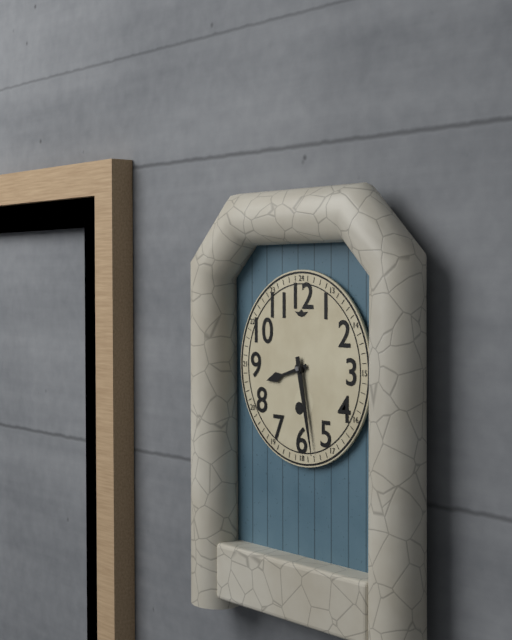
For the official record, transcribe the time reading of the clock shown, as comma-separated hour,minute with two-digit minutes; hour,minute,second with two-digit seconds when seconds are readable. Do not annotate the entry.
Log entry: 8,28
